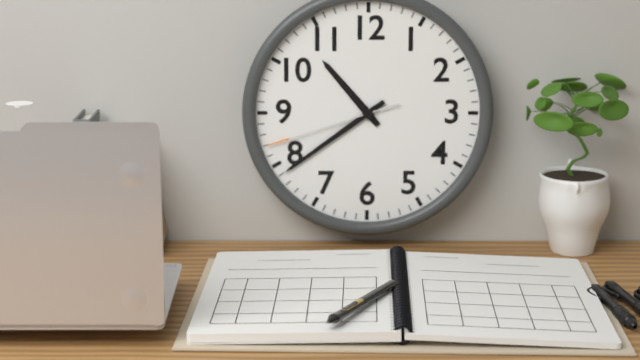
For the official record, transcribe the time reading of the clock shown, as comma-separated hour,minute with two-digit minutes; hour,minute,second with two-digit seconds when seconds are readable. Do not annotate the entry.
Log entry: 10,39,42
